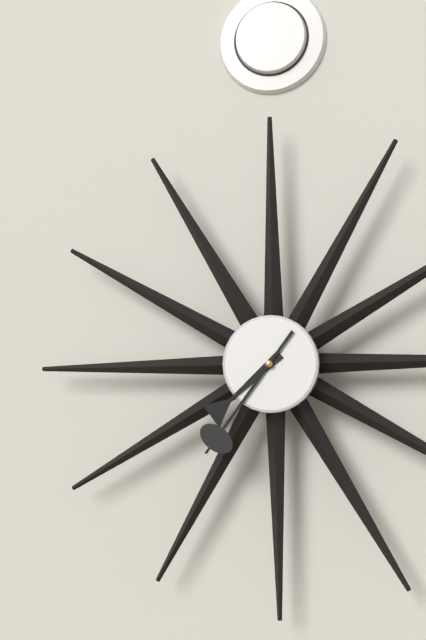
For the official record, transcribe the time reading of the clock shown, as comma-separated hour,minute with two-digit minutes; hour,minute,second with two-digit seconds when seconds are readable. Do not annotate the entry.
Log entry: 7,36
